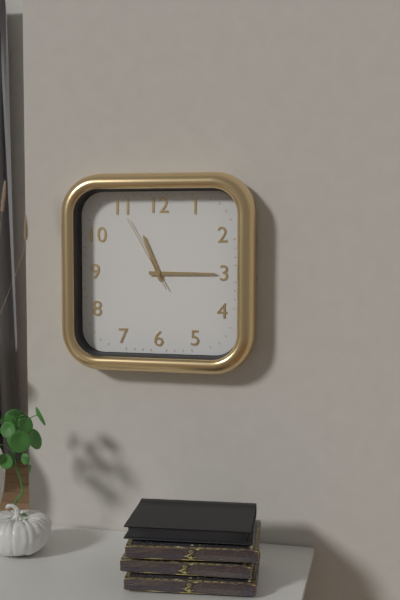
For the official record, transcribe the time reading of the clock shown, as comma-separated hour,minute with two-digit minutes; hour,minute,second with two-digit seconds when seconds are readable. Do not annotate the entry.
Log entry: 11,15,55
